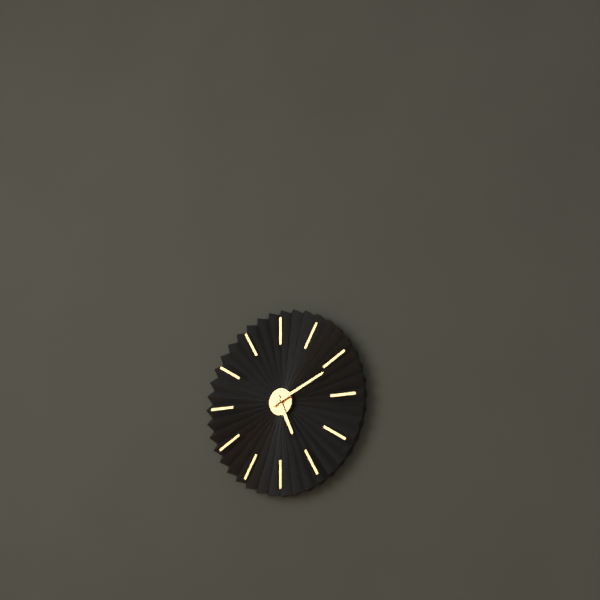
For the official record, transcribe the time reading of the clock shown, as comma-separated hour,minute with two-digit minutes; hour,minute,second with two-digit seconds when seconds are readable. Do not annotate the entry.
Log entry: 5,11
